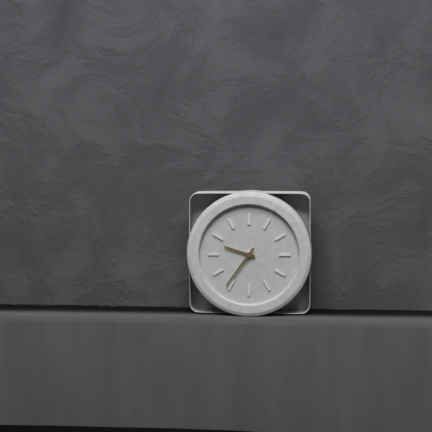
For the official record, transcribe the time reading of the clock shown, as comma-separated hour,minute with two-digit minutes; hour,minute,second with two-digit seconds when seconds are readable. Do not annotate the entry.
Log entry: 9,36
